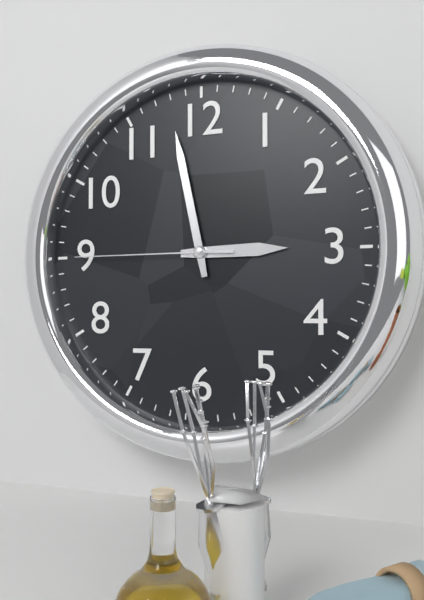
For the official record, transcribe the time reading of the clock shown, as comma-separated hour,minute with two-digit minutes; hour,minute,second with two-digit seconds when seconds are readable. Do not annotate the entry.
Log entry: 2,58,45
